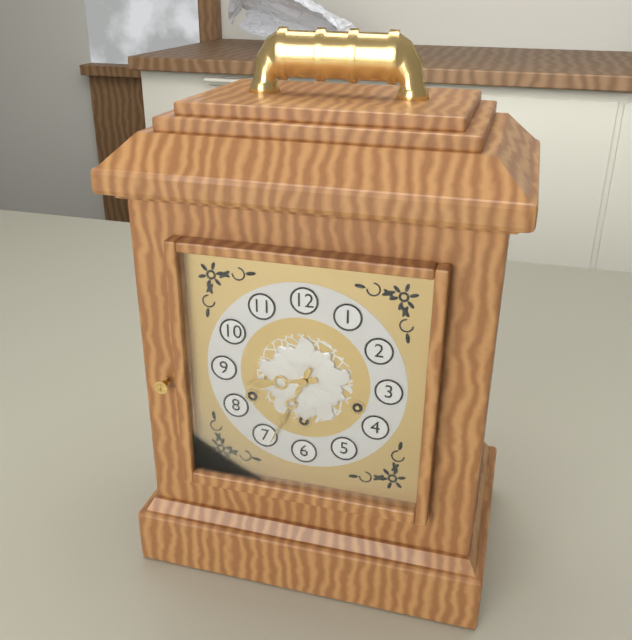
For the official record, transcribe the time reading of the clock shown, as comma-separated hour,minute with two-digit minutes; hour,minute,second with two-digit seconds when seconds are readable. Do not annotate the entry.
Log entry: 8,34
